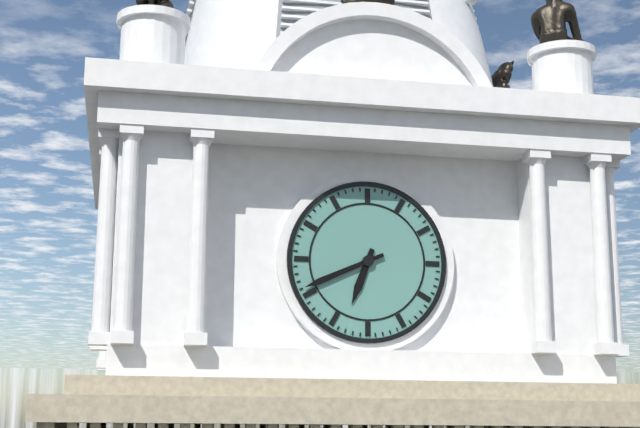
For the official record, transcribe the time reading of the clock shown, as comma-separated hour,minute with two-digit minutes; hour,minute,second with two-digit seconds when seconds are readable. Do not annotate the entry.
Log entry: 6,41
